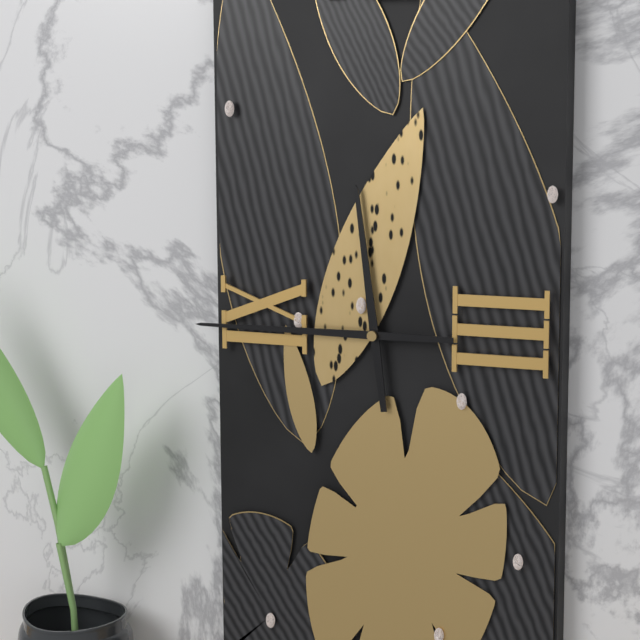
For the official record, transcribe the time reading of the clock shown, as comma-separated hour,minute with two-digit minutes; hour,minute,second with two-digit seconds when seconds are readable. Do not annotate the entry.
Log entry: 11,45
